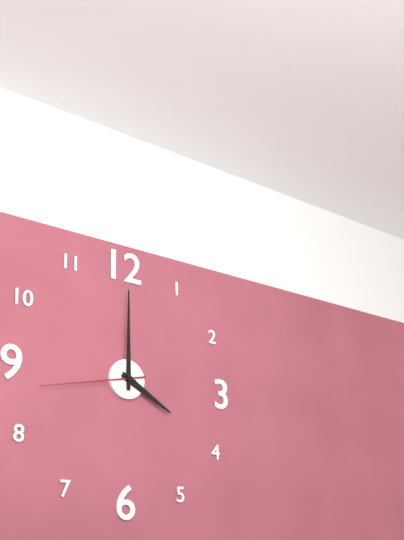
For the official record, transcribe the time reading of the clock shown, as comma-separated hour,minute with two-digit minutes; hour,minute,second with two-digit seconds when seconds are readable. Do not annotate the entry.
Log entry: 4,00,43
